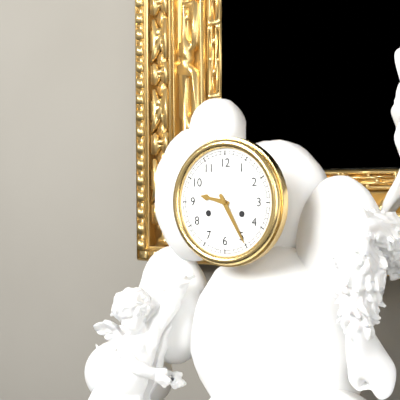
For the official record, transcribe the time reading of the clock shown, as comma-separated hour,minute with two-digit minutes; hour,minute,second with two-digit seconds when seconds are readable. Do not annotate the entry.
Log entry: 9,25
